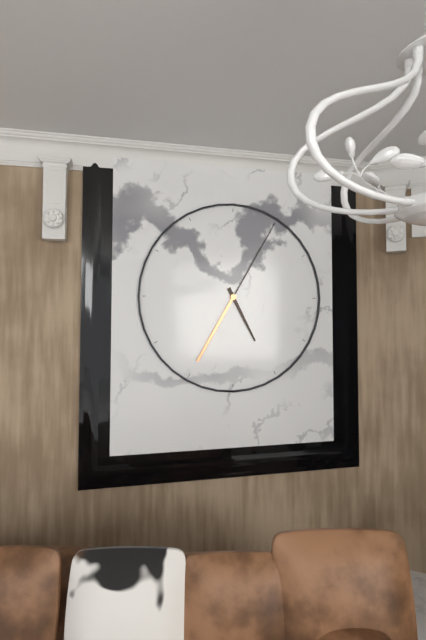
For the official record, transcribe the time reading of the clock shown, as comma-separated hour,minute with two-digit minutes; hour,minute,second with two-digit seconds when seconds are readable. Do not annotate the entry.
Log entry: 5,05
